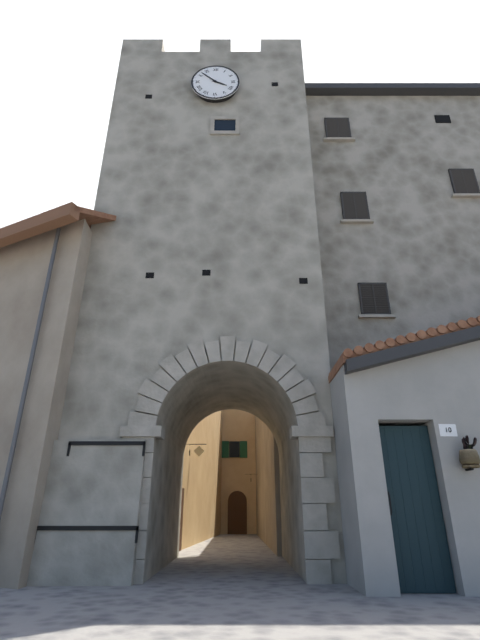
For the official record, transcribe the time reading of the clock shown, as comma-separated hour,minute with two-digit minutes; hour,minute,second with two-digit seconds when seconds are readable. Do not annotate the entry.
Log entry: 3,52
